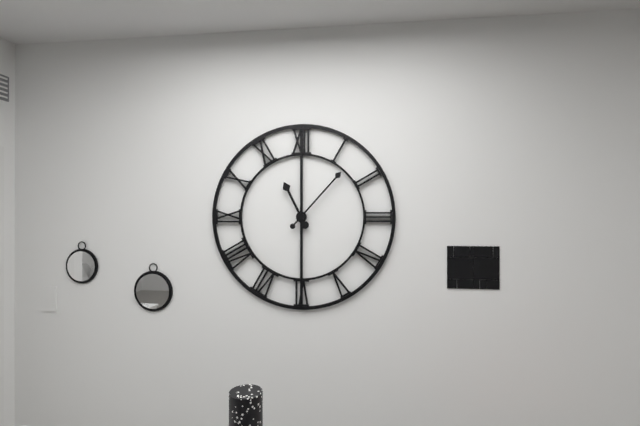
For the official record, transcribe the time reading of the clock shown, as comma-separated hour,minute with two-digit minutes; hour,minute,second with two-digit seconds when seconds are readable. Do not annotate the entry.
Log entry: 11,07
